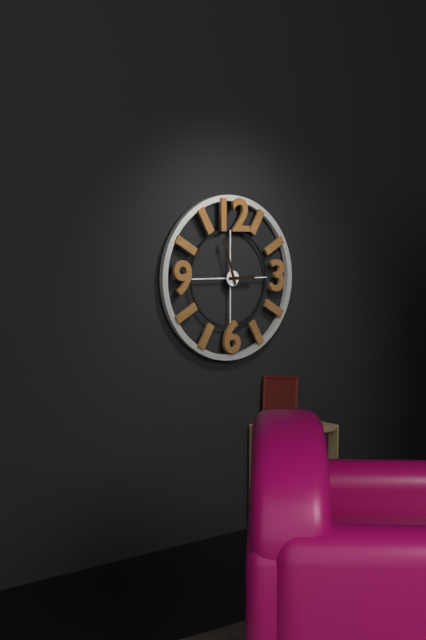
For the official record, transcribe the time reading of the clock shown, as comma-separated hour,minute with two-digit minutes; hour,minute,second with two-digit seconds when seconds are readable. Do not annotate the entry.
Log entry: 2,57
